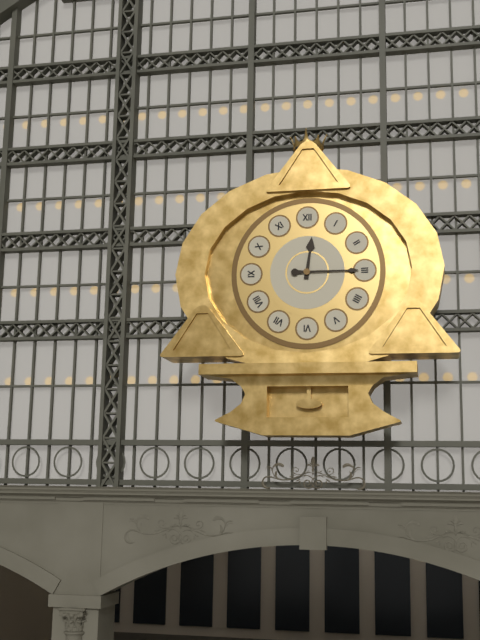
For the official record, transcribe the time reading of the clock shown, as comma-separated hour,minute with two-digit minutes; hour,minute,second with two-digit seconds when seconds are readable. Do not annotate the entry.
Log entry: 12,15
